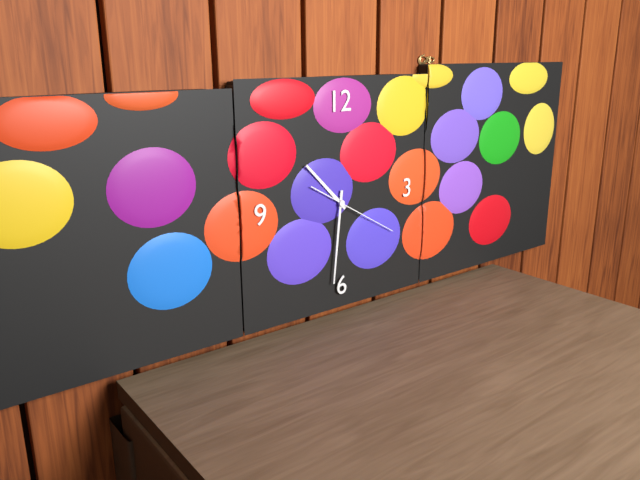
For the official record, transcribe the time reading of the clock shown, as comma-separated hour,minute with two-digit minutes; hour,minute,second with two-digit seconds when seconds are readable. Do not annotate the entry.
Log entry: 10,31,20
